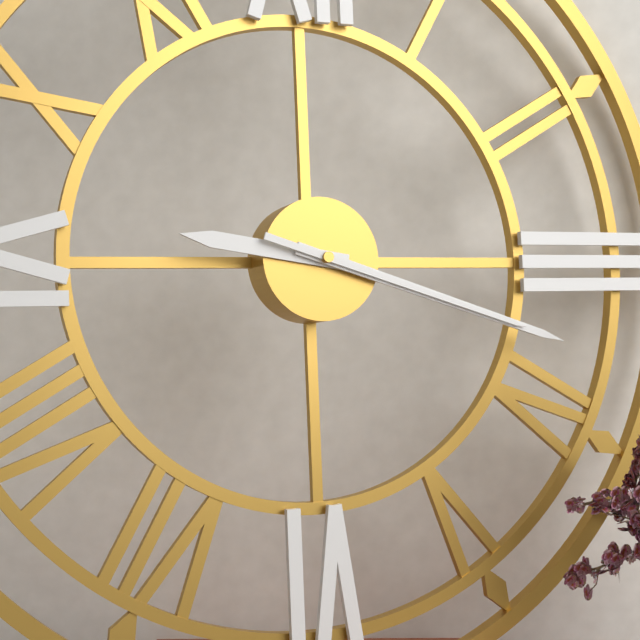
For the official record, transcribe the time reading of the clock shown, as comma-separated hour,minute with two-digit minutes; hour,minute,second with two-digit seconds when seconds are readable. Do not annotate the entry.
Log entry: 9,18,18
